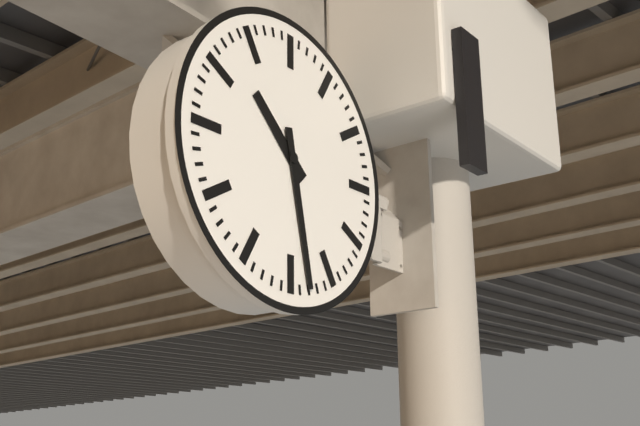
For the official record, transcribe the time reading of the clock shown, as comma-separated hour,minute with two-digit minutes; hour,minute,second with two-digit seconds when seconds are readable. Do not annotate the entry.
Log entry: 10,28
